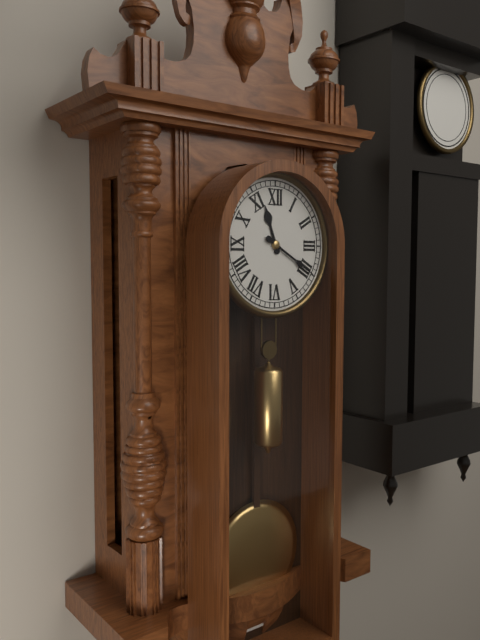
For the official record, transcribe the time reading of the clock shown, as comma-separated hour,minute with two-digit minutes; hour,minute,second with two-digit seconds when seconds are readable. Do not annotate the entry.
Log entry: 11,20
